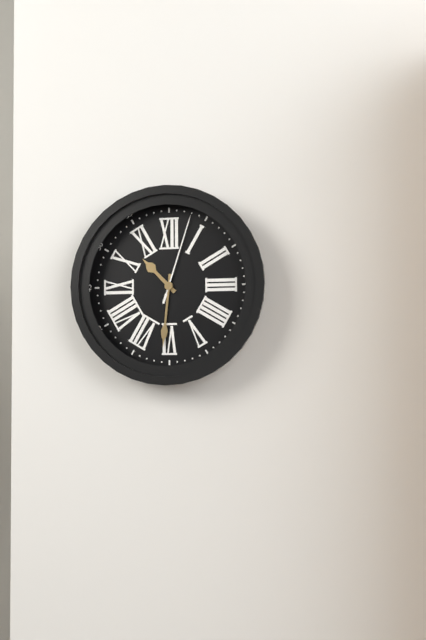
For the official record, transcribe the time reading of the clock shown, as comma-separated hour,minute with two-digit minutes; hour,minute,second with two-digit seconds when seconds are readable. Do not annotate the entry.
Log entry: 10,31,03
